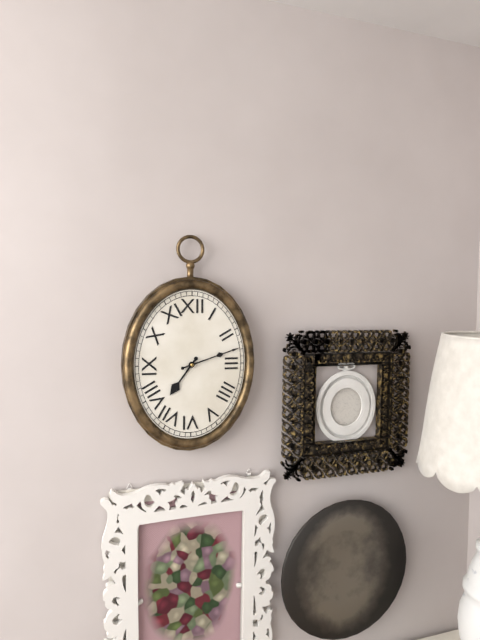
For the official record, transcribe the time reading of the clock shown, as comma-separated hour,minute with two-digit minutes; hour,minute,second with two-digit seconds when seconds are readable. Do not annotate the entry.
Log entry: 7,12
